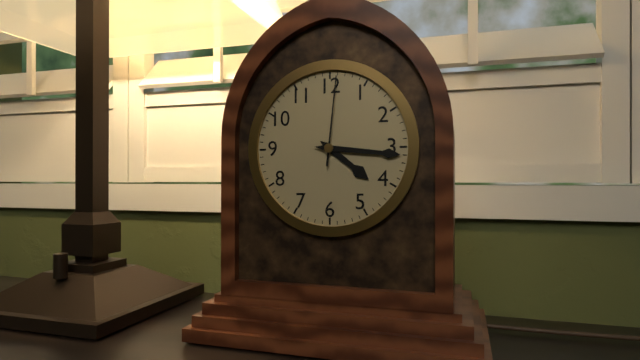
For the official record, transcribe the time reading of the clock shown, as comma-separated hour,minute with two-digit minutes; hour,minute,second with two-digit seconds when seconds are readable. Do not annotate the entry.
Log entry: 4,16,01
